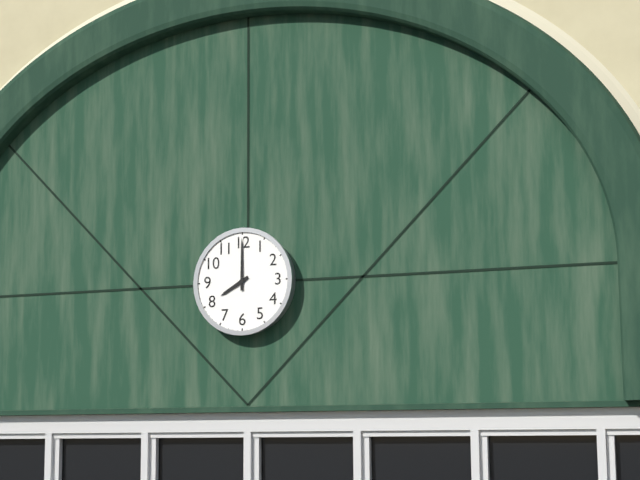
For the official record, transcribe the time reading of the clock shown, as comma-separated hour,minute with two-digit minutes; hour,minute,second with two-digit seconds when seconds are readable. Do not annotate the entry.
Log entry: 8,00
